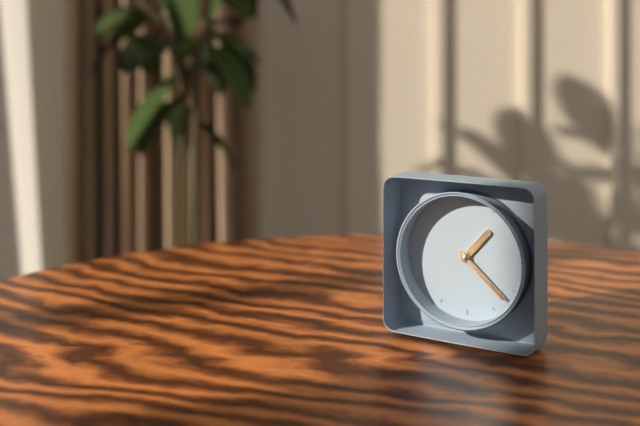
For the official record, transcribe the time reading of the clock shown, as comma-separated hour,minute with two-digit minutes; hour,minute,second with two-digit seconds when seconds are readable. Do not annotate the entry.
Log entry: 1,22
